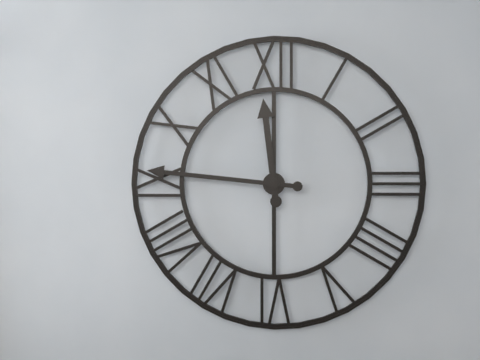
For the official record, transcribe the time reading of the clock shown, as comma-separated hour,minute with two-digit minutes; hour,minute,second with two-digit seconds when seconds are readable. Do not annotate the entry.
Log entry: 11,46
